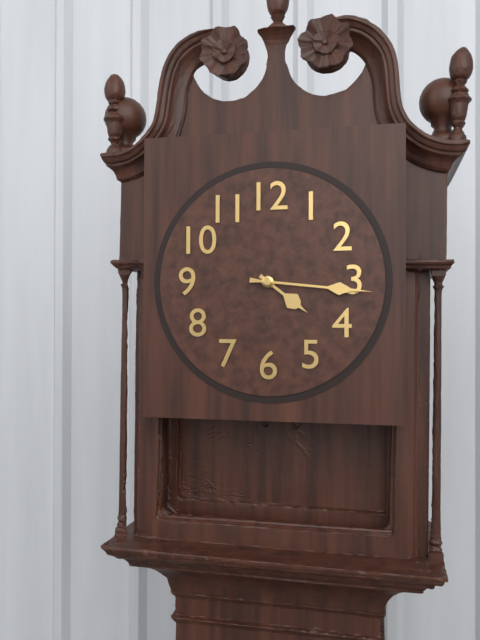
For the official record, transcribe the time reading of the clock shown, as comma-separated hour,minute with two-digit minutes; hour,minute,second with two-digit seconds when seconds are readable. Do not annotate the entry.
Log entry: 4,16
